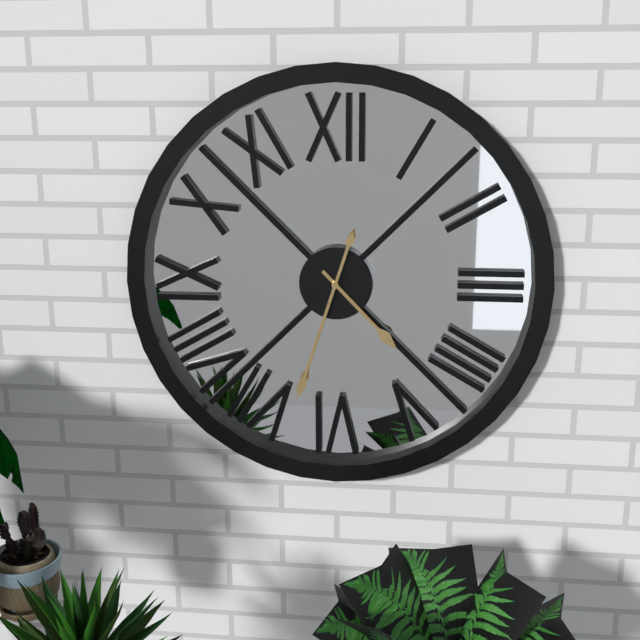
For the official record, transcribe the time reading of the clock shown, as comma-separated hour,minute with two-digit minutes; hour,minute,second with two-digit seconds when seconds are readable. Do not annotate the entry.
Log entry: 4,33
